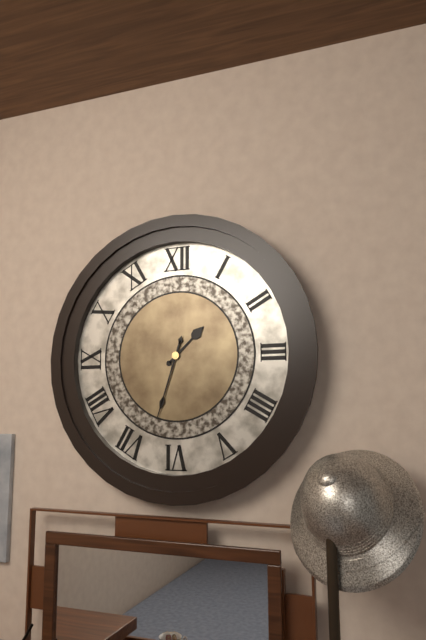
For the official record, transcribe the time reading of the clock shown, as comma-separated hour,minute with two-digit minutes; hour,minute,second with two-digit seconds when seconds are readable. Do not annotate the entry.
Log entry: 1,33
